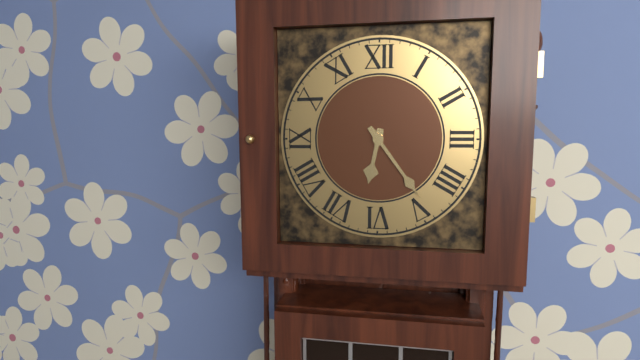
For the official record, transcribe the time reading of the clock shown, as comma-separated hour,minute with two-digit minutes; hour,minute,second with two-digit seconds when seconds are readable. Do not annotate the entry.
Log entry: 6,24
